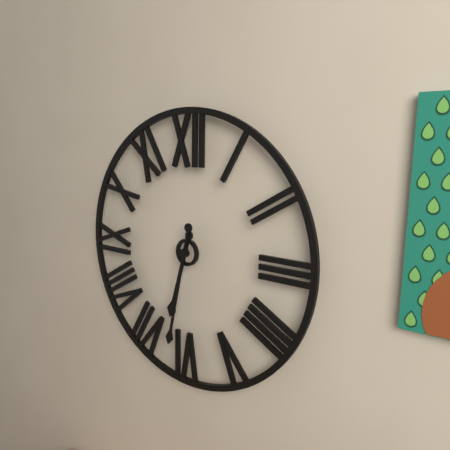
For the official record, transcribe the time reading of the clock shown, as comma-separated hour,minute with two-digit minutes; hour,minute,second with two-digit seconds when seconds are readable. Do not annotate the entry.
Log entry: 6,32
